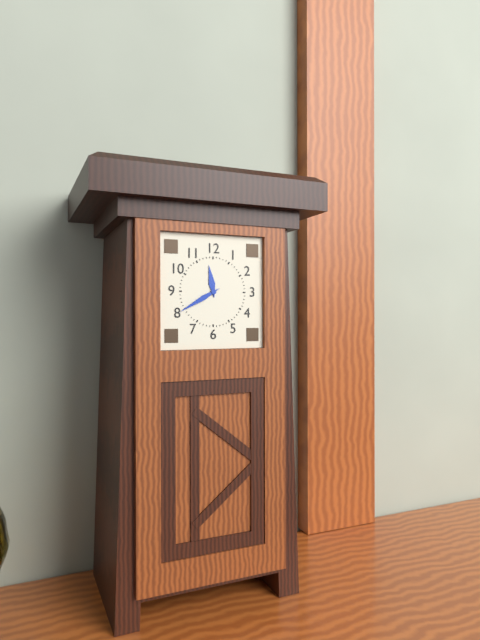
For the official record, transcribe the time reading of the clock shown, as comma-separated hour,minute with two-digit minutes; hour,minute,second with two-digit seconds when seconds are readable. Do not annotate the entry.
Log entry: 11,40
